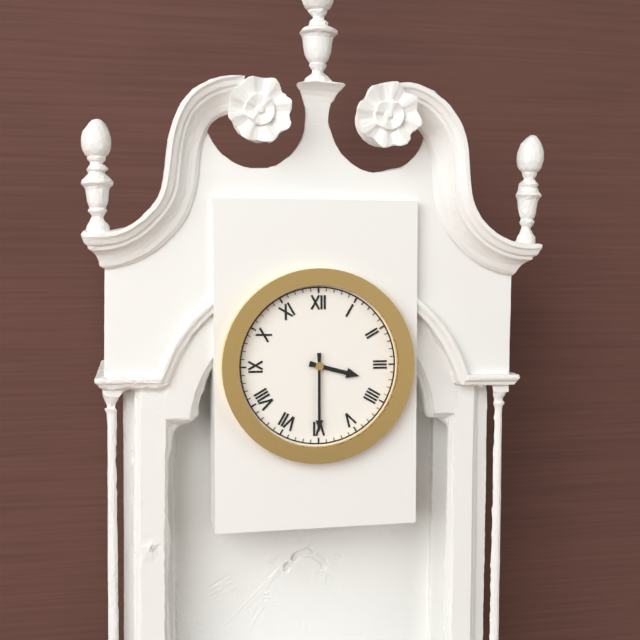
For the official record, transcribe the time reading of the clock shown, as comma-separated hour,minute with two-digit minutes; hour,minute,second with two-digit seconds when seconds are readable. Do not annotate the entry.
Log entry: 3,30
